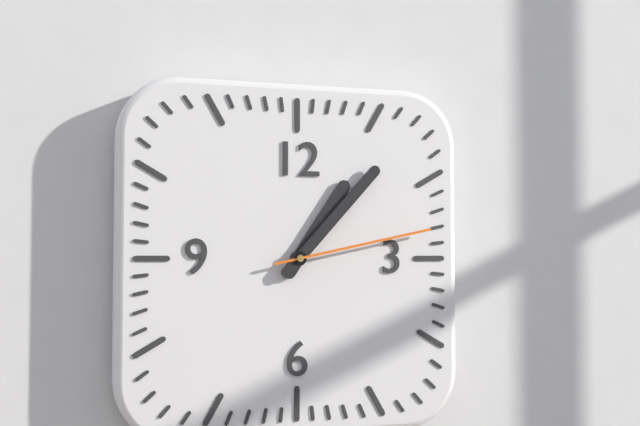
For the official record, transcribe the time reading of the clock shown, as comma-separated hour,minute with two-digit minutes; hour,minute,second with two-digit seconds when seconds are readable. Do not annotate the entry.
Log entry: 1,07,13
